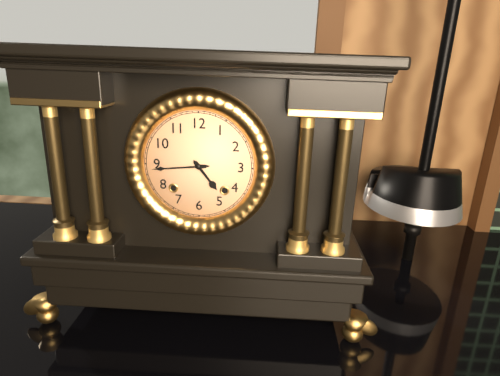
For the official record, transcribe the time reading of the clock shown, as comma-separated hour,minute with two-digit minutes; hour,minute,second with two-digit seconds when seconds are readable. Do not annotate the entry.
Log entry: 4,44
